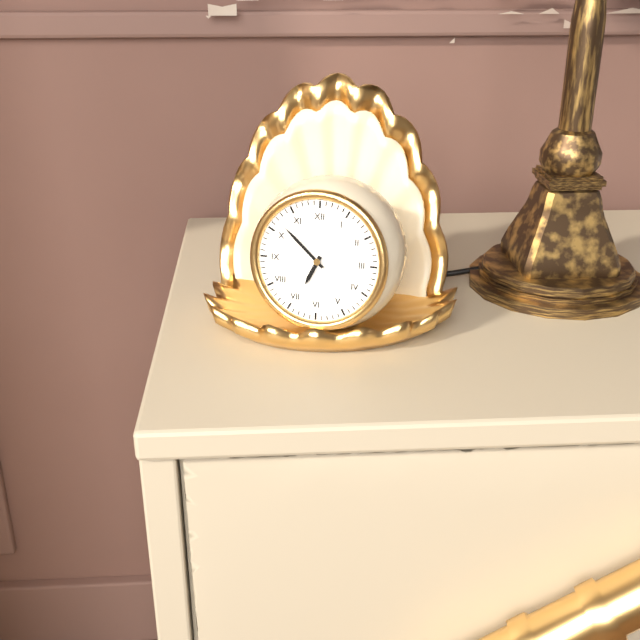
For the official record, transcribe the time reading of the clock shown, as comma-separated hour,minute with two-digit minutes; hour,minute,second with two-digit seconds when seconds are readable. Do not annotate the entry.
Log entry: 6,52
